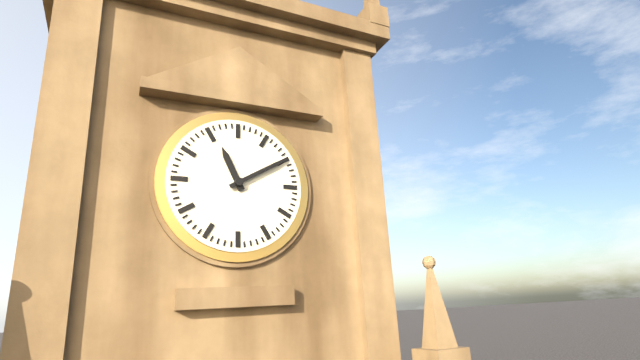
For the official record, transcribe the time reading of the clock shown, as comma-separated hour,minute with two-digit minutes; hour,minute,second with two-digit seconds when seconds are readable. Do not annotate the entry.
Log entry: 11,10
